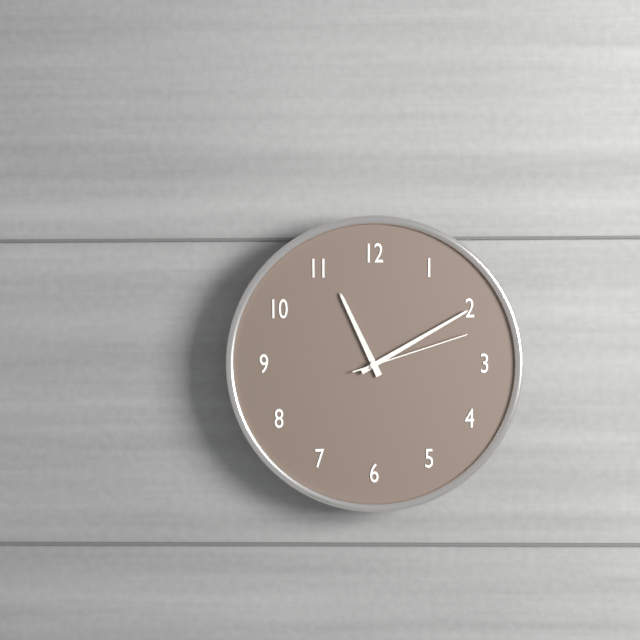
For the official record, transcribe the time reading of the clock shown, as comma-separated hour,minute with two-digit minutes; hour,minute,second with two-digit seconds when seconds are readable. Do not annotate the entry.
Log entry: 11,10,12
